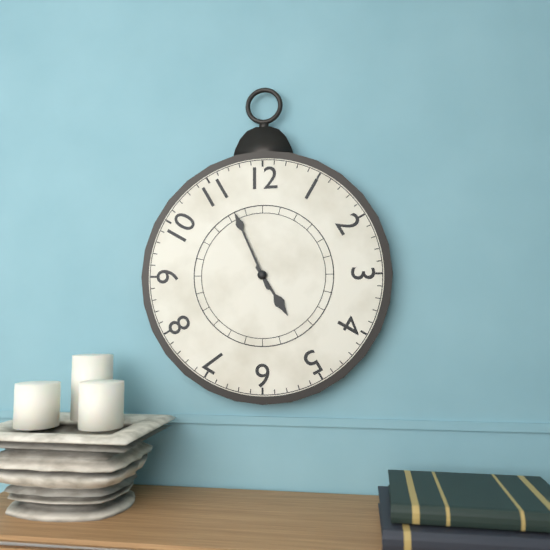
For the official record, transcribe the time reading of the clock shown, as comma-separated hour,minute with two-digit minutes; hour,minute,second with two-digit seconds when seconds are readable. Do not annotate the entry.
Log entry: 4,56
